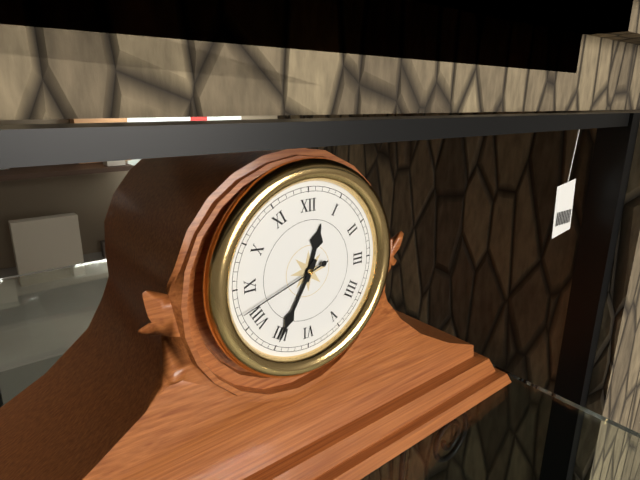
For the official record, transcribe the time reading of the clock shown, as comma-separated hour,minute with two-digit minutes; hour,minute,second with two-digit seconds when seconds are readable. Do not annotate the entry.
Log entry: 12,35,42
